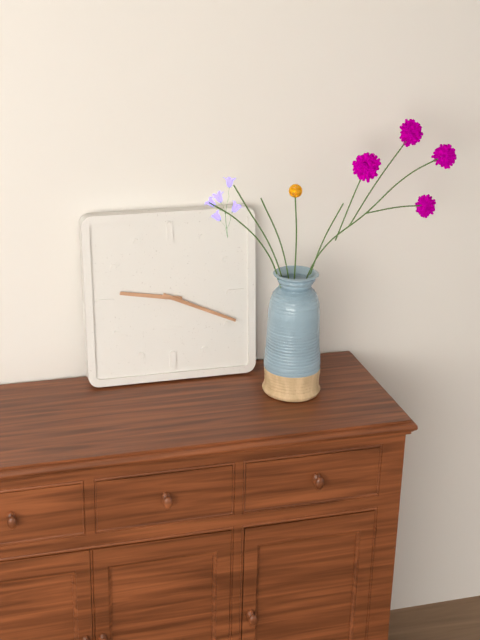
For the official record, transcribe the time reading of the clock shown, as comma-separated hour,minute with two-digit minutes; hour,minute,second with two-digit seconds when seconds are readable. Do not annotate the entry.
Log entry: 9,19
